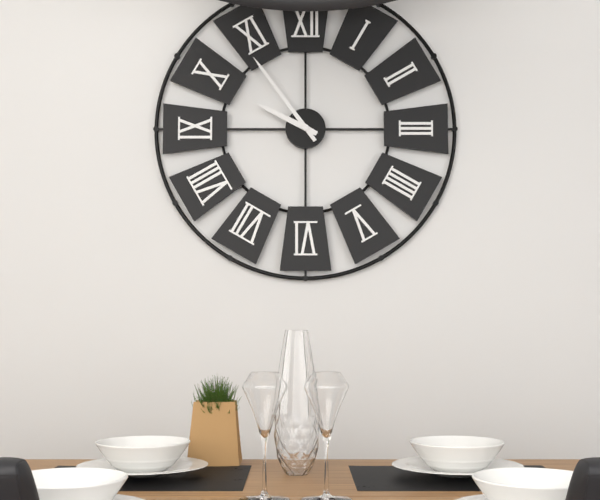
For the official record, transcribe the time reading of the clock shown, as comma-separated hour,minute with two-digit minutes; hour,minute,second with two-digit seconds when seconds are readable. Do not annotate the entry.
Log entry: 9,54
